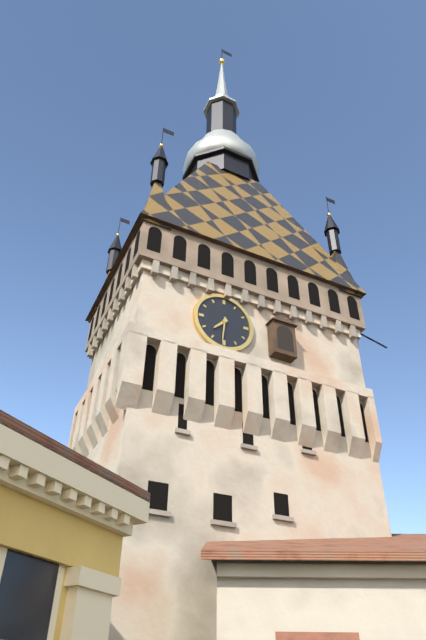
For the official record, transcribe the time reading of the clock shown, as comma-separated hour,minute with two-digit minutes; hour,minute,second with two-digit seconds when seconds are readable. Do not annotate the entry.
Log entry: 7,31
